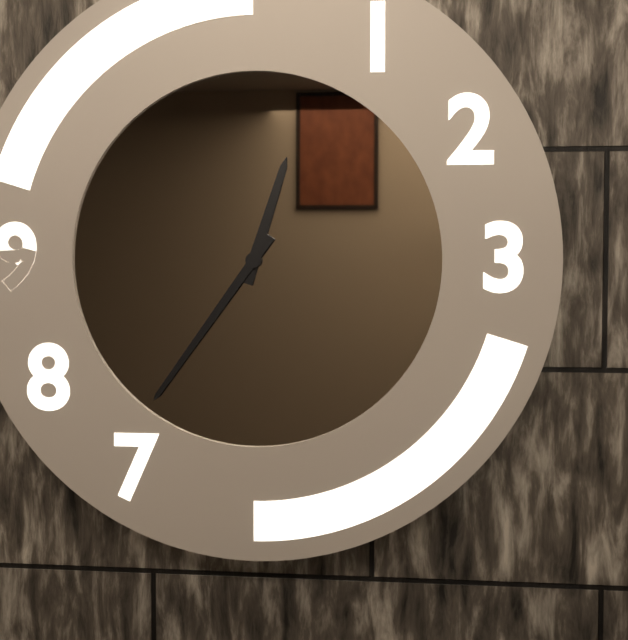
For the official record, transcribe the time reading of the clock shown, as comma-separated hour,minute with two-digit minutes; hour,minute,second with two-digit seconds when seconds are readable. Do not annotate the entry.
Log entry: 12,36
